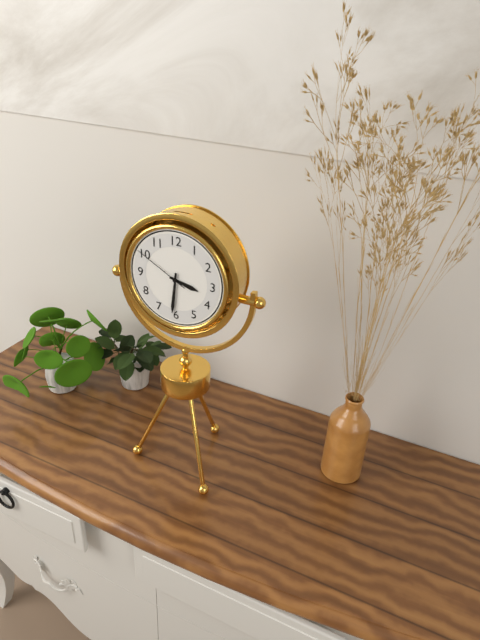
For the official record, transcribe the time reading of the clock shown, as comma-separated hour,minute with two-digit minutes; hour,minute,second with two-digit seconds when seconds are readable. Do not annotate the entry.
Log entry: 3,31,50
